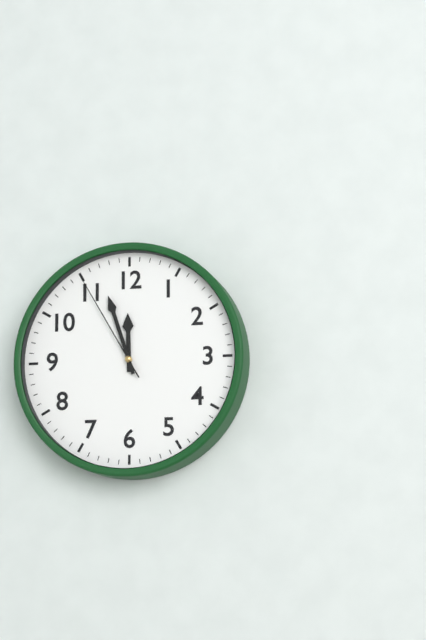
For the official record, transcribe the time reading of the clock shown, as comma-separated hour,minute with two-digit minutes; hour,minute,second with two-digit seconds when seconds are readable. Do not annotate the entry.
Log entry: 11,57,55
